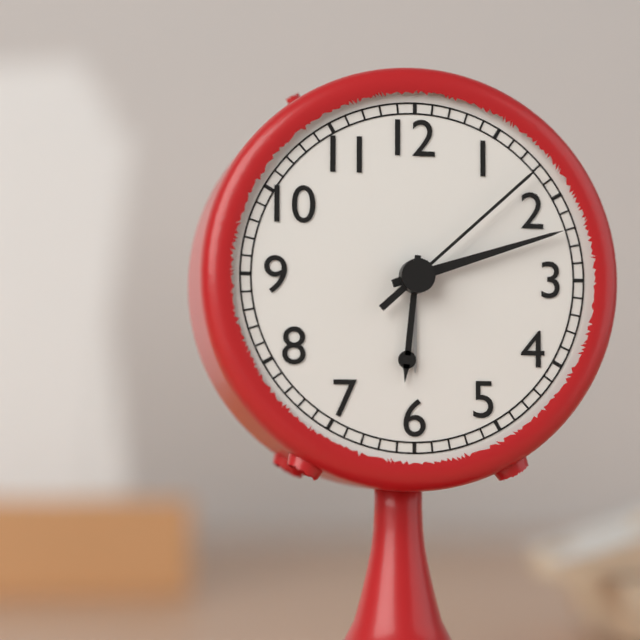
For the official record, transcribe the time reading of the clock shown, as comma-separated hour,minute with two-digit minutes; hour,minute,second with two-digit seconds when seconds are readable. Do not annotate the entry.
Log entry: 6,12,08
